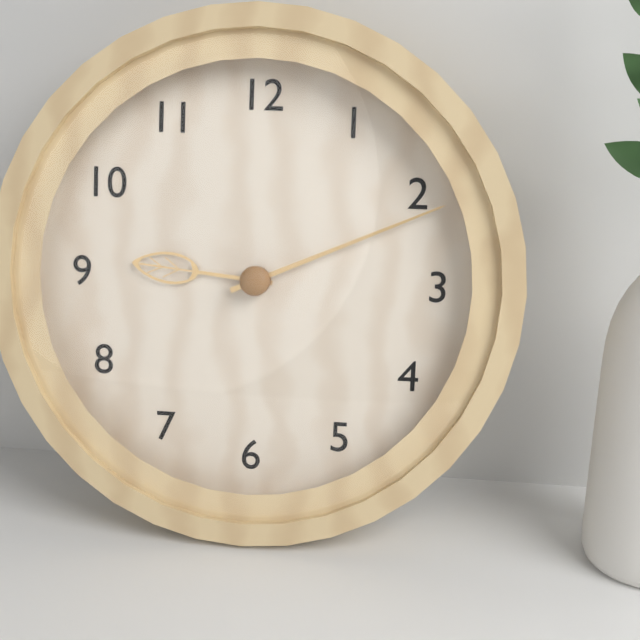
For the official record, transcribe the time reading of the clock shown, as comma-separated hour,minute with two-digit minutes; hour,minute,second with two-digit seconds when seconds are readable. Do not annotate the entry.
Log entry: 9,11
